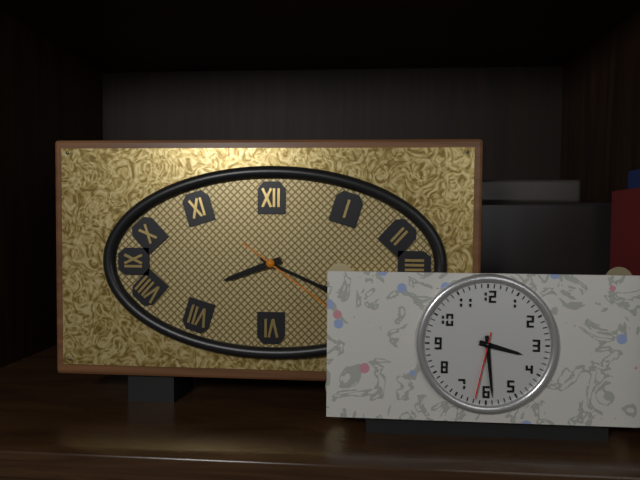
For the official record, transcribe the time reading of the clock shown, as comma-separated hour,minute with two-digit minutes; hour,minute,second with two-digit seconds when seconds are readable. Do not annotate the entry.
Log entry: 8,19,21
